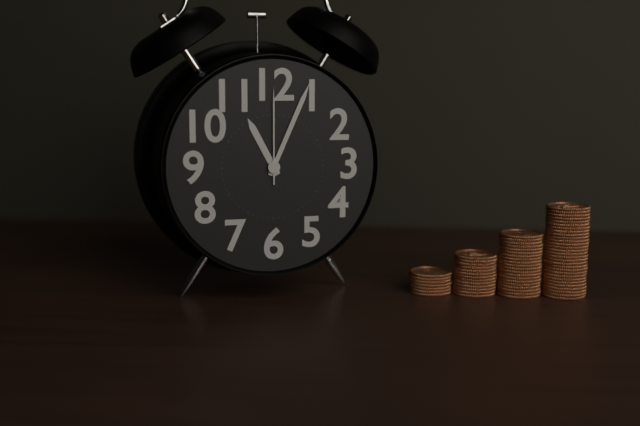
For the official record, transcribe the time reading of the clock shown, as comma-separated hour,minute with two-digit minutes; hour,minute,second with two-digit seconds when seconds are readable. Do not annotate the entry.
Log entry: 11,04,00
